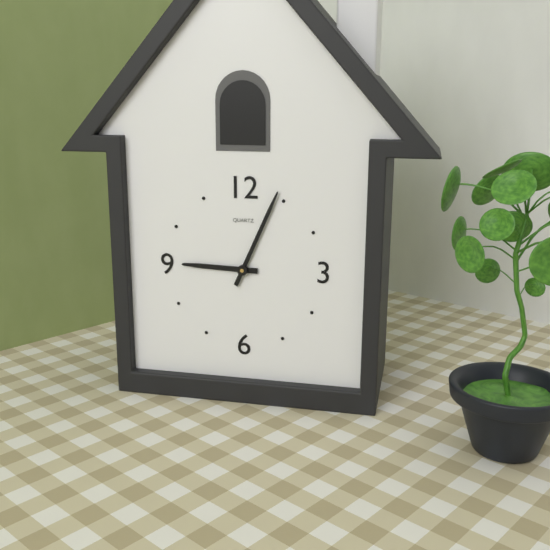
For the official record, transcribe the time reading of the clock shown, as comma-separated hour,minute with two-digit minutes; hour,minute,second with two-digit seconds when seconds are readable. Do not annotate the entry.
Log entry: 9,04
